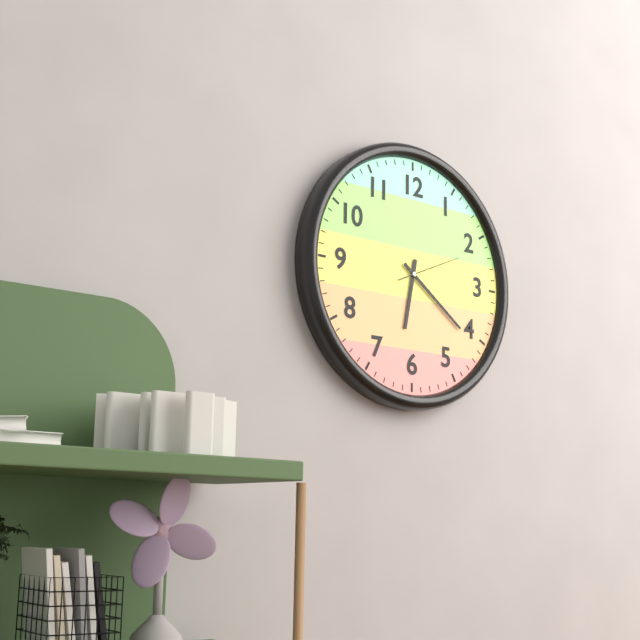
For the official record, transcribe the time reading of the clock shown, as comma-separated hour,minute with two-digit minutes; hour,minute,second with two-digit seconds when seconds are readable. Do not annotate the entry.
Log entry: 6,21,11
